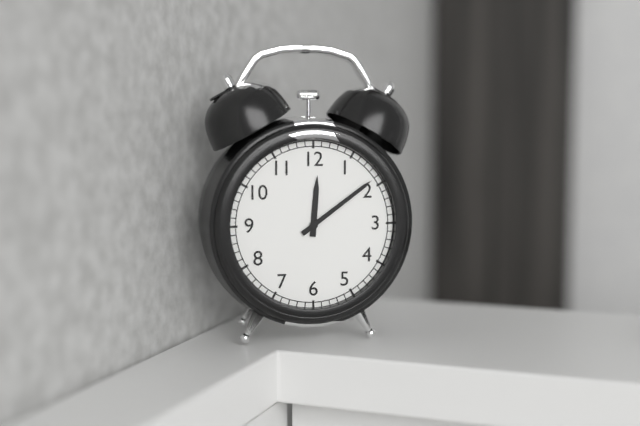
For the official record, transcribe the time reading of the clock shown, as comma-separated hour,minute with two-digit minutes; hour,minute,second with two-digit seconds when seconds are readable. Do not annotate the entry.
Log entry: 12,09
